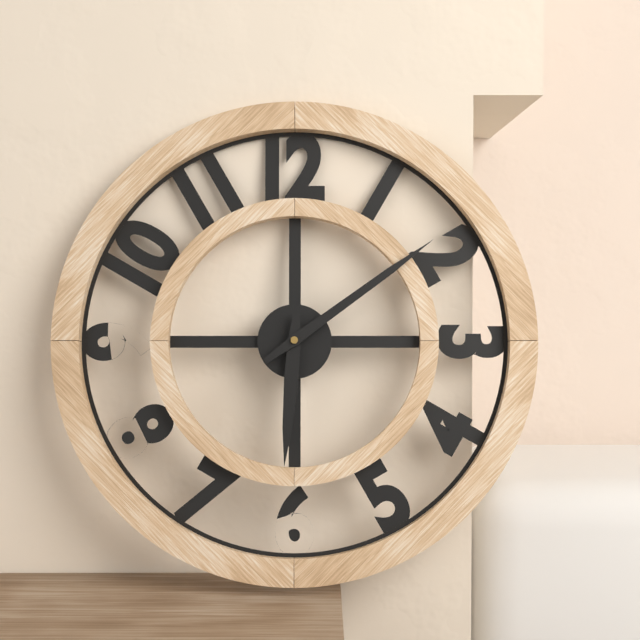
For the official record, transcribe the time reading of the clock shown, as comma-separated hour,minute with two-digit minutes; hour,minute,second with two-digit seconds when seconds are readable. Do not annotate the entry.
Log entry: 6,09
